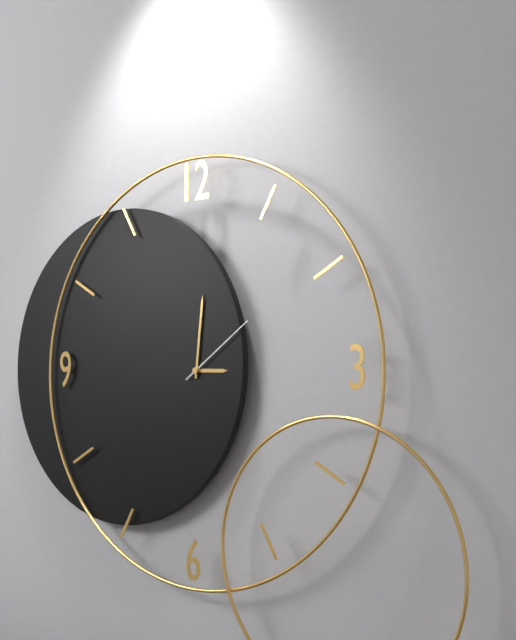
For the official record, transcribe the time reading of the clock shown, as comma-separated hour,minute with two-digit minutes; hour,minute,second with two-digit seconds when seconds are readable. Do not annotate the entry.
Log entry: 3,01,09
